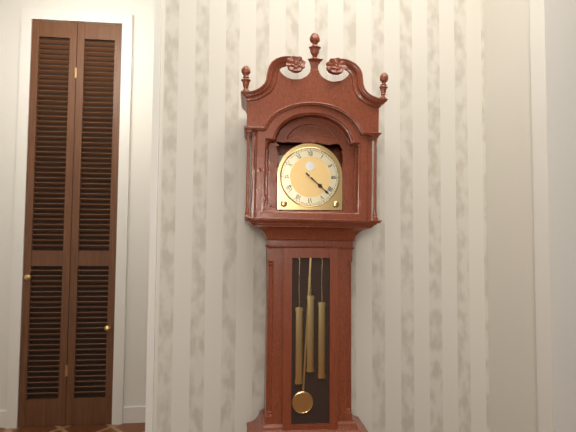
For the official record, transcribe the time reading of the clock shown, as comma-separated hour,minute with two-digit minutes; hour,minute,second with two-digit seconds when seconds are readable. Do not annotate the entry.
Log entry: 4,22
